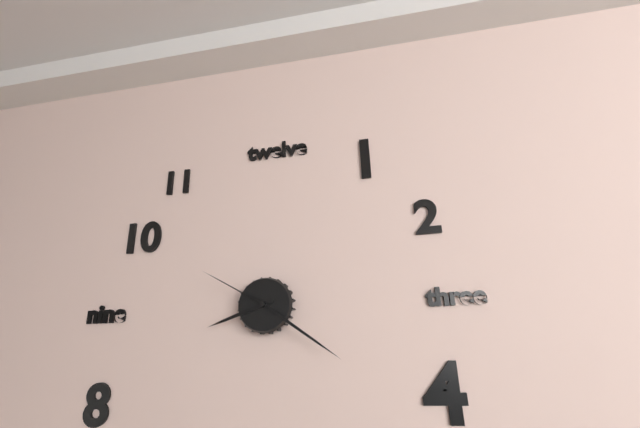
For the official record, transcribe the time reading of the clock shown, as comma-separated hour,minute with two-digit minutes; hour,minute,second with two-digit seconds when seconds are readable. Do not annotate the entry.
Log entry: 8,21,50
